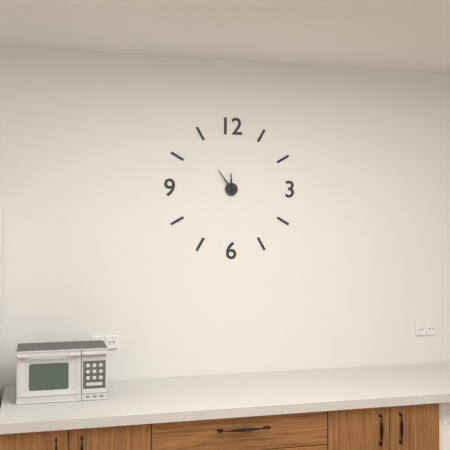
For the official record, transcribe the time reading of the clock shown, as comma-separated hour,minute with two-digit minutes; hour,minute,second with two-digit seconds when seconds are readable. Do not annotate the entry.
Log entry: 11,54
